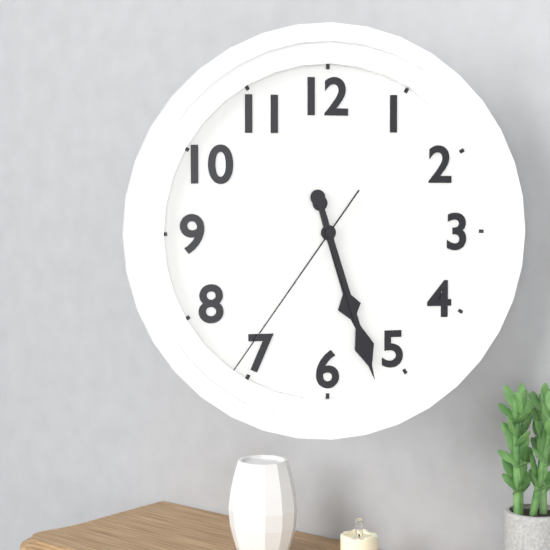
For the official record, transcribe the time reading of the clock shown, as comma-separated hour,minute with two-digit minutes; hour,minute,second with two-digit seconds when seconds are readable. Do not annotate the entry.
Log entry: 5,27,36
